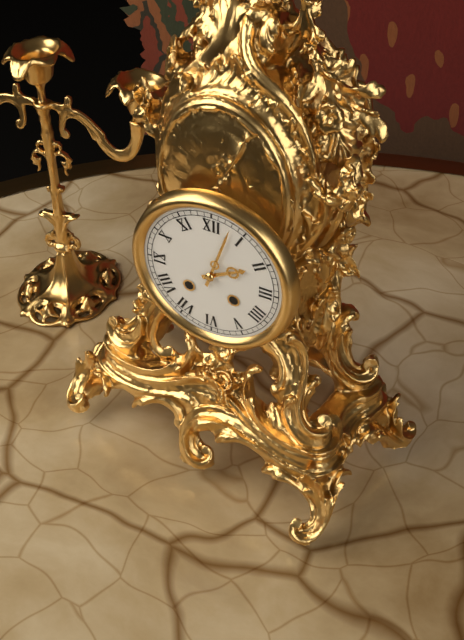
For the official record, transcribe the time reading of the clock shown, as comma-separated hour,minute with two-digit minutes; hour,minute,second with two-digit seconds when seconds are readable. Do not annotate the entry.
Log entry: 2,03
